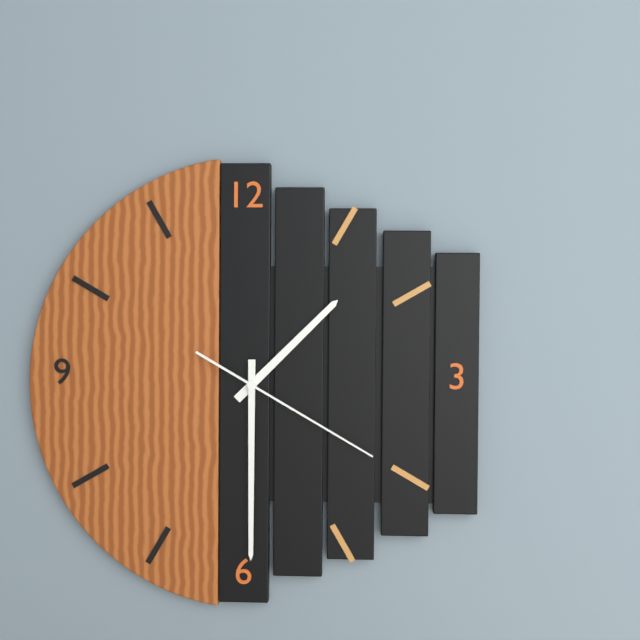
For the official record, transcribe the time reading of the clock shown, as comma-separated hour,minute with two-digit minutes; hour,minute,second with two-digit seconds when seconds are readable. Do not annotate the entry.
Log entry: 1,30,20
